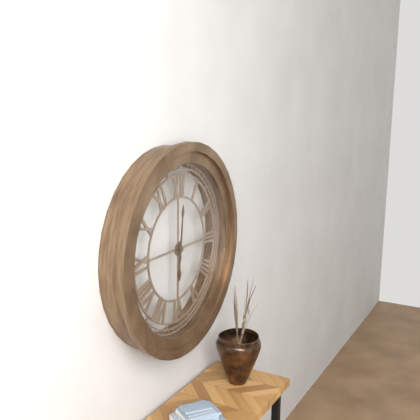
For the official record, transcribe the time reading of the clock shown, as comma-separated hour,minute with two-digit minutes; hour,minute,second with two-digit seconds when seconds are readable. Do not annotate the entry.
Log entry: 6,01
